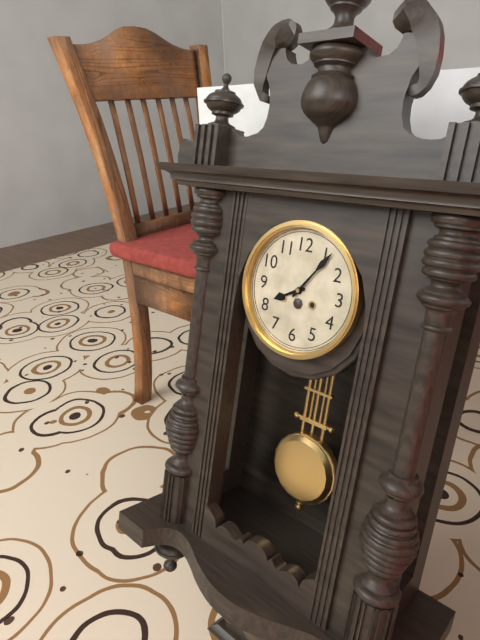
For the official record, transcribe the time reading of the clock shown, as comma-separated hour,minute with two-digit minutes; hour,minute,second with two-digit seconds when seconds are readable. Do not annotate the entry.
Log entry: 8,06
